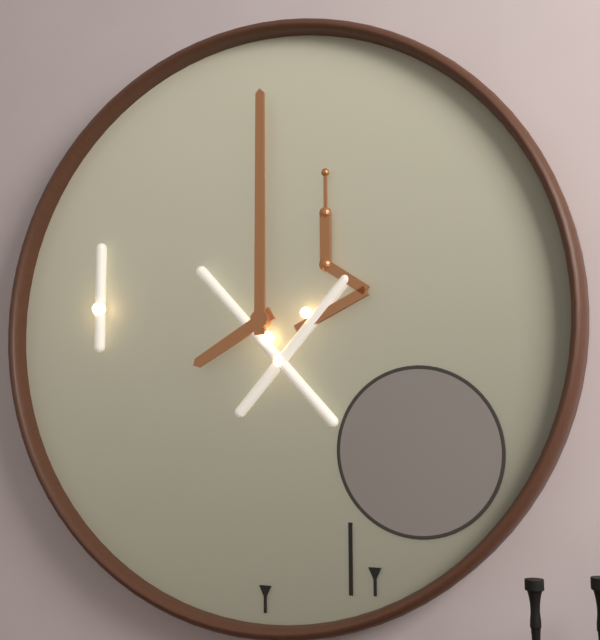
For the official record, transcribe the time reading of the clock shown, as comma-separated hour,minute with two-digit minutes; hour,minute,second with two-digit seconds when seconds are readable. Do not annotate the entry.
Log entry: 8,00
